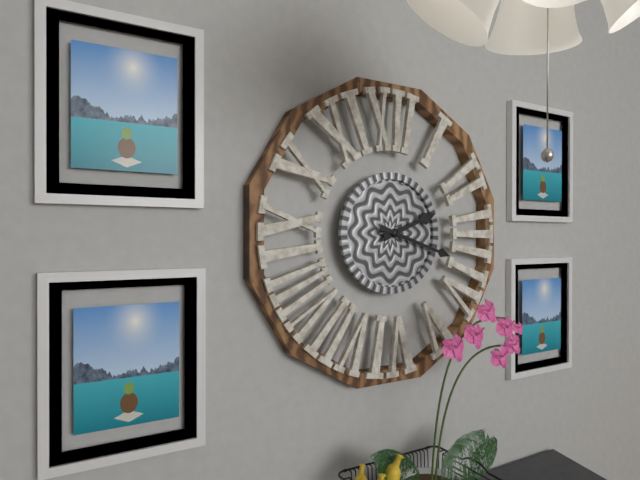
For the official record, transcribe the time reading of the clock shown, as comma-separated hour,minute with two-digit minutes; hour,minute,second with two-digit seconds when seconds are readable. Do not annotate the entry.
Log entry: 2,18
